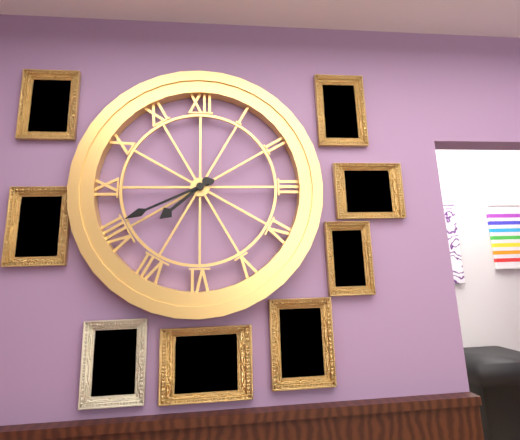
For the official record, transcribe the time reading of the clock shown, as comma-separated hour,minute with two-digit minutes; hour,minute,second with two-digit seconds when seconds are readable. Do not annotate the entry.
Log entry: 7,41
